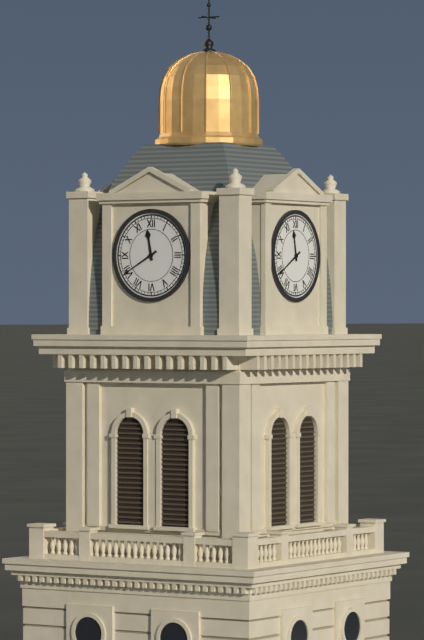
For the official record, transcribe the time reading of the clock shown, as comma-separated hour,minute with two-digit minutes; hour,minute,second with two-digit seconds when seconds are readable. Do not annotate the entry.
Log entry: 11,40
